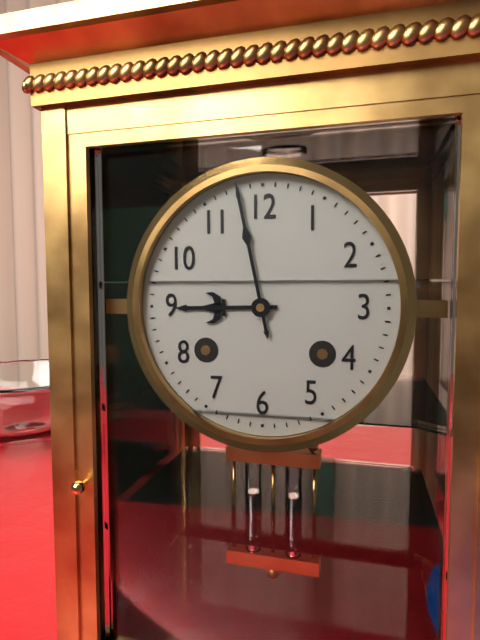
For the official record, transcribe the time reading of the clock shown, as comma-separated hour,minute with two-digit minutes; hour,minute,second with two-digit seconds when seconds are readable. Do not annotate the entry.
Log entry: 8,58
